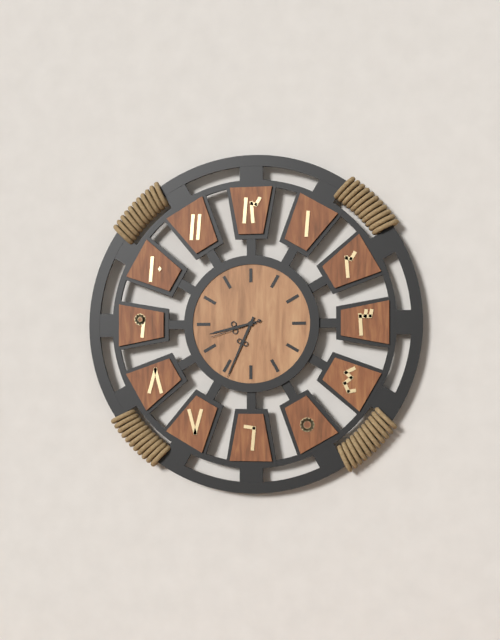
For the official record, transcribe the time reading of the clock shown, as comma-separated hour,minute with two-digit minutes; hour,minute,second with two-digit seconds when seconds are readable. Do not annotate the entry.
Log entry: 8,34,42
